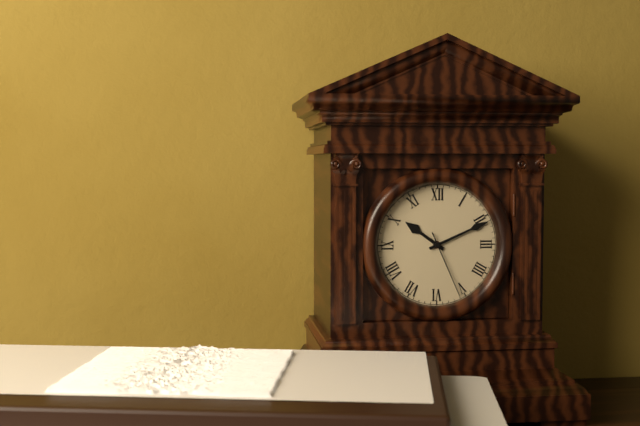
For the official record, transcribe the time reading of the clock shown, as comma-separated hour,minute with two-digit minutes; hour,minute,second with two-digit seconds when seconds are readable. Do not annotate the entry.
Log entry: 10,11,26
